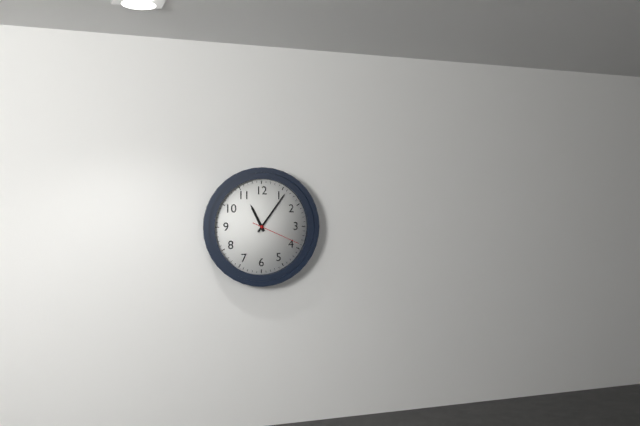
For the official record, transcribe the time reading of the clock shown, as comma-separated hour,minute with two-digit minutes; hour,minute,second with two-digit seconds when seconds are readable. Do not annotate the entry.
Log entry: 11,06,19
